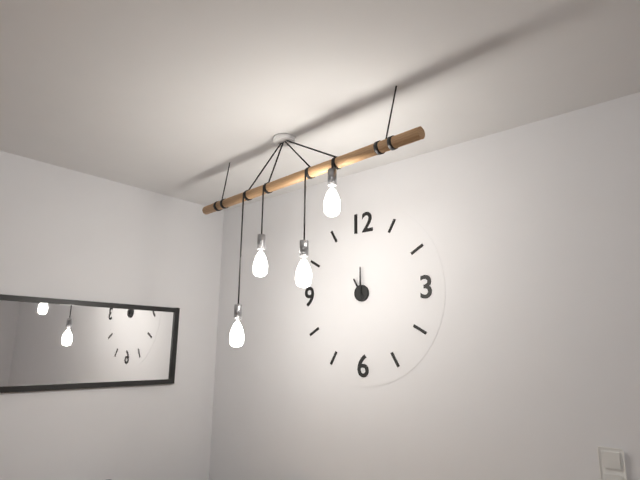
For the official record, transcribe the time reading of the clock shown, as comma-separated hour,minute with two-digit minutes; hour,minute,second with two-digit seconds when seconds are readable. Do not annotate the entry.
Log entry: 11,00
